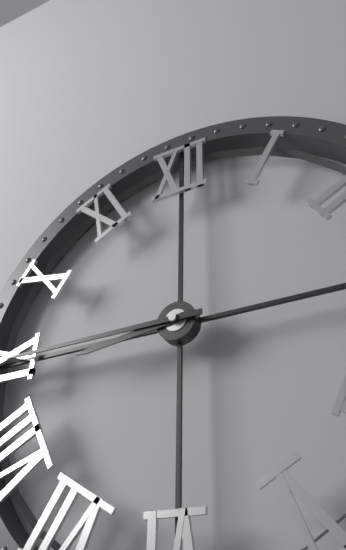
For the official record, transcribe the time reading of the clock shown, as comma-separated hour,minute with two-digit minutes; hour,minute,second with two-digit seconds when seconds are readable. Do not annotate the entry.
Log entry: 8,45
